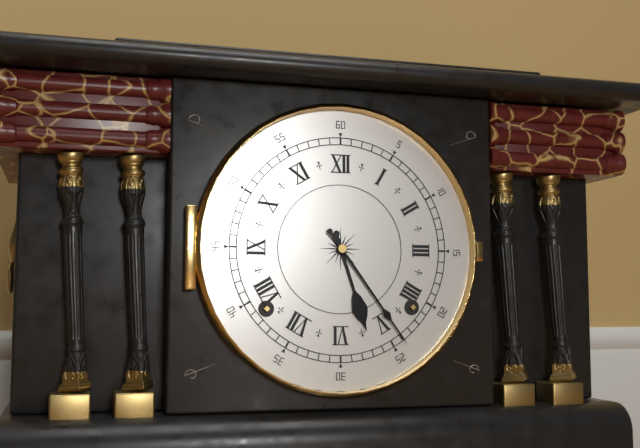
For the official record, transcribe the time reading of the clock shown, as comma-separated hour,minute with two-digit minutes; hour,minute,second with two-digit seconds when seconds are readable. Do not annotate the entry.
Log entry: 5,24
